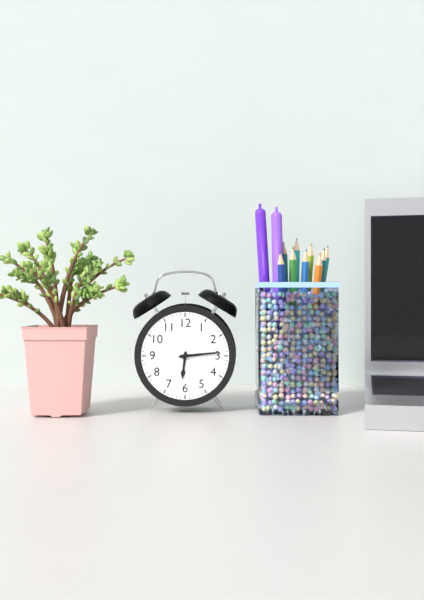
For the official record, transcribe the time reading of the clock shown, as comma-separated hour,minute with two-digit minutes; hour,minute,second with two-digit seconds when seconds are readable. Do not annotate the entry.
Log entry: 6,14
